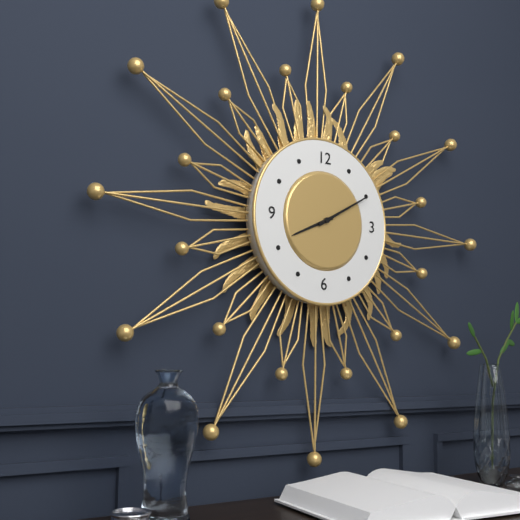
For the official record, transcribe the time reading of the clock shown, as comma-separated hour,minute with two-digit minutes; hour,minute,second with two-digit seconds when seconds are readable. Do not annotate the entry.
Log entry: 8,10
